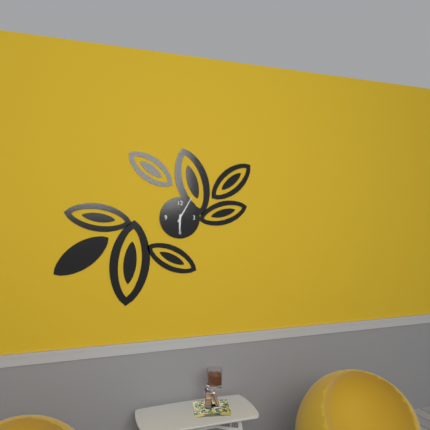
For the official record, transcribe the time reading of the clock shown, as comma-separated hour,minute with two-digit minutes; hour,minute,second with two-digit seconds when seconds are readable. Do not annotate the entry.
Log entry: 6,05
